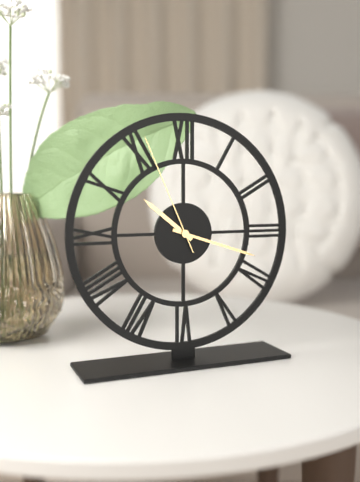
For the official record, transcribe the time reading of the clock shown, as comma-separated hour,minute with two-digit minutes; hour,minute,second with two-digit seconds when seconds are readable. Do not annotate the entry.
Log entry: 10,18,56
